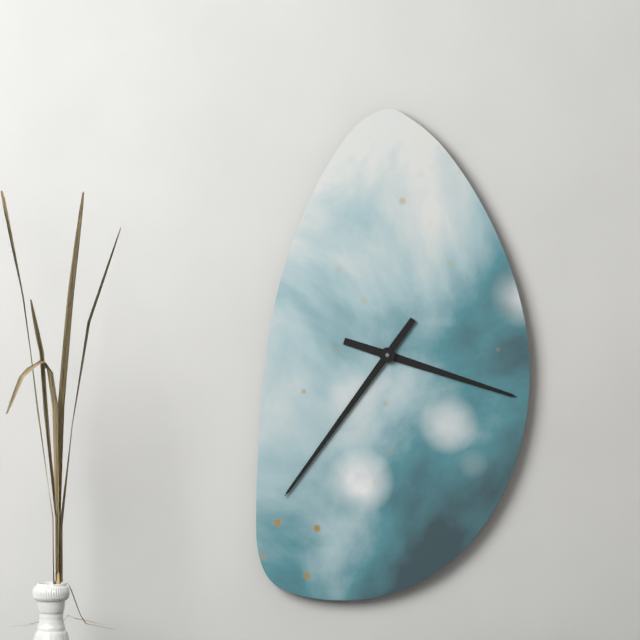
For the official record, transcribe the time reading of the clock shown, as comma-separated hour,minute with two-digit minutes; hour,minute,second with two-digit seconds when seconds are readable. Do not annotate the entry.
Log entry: 3,36
